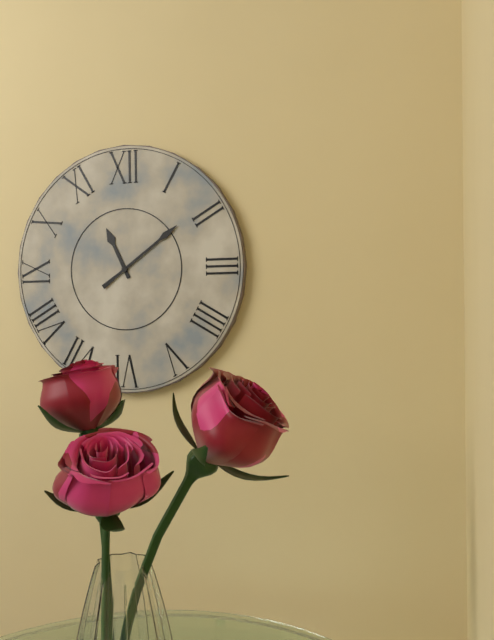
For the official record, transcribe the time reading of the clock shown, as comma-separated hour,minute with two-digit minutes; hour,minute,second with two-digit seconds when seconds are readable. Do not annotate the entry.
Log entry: 11,09
